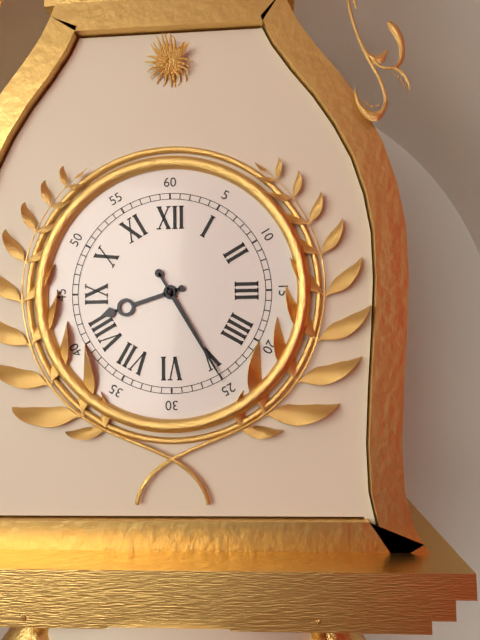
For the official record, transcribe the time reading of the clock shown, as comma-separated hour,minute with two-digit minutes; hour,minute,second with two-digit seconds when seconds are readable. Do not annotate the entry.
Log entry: 8,25
